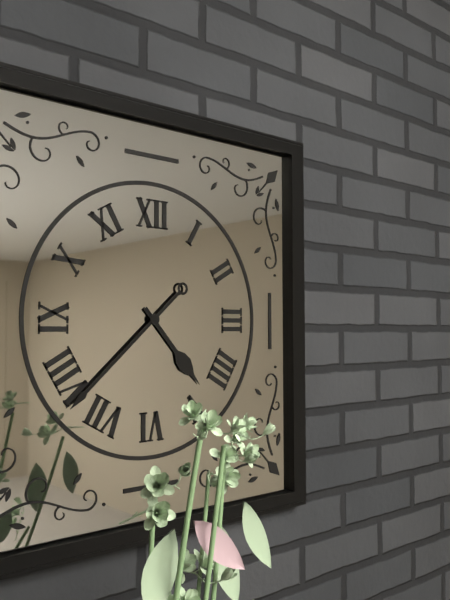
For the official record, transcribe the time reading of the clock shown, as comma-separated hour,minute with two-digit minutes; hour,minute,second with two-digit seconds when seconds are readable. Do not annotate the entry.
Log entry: 4,38
